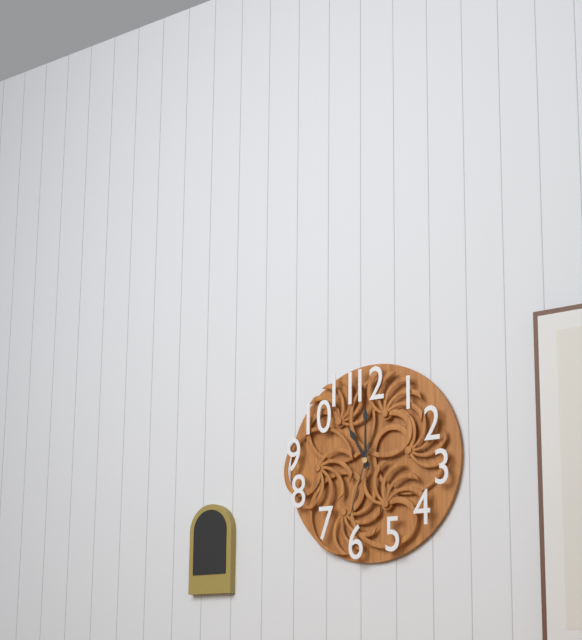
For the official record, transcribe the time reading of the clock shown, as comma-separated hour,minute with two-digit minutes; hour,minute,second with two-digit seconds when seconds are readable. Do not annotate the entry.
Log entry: 11,00,33
